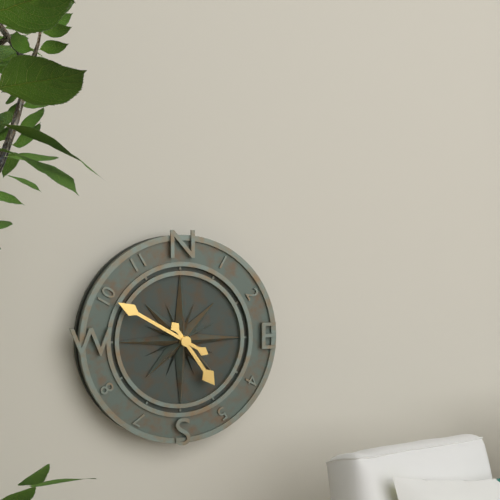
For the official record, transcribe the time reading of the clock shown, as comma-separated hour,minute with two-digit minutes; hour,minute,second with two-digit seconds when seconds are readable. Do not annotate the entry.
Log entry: 4,50
